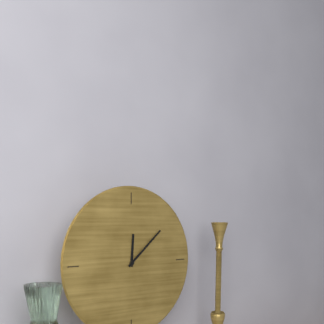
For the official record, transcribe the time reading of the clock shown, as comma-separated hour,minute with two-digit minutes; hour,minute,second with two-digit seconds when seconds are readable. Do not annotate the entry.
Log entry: 12,08
